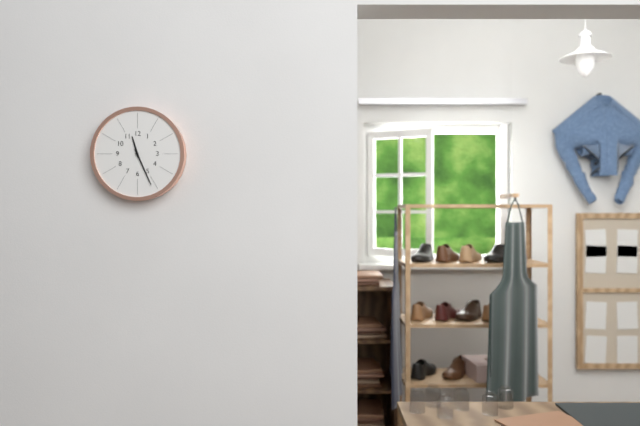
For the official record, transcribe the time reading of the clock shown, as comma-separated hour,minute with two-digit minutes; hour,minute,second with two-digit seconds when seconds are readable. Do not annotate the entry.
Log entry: 11,26
